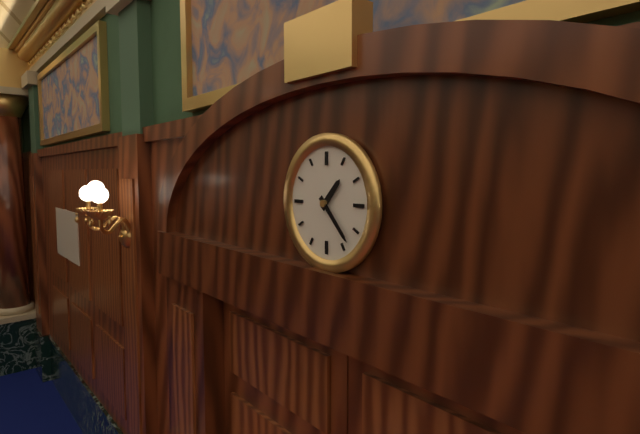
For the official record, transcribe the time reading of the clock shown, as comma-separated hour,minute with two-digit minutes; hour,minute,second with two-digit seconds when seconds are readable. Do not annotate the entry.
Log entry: 1,23
